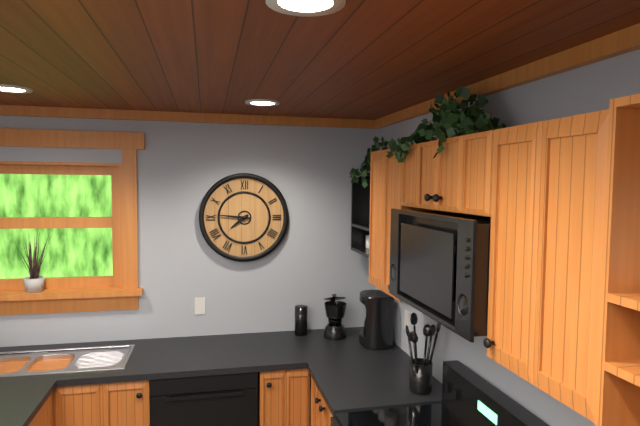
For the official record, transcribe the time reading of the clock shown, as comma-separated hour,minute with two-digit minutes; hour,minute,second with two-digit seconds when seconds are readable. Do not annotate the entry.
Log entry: 7,46
